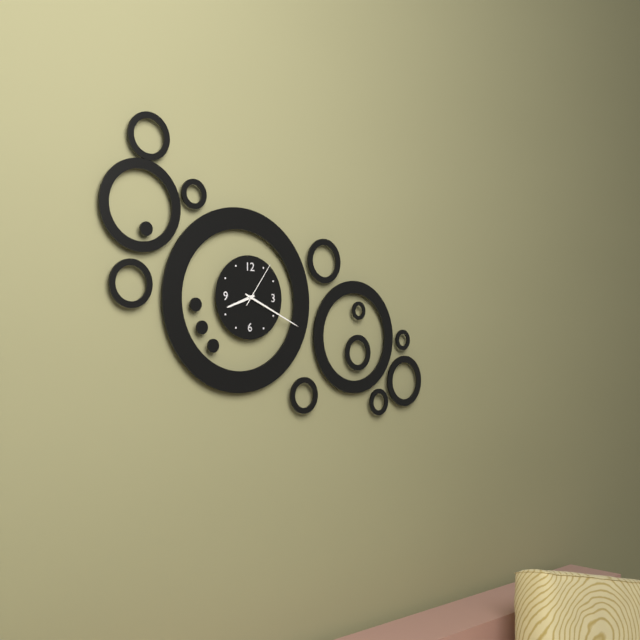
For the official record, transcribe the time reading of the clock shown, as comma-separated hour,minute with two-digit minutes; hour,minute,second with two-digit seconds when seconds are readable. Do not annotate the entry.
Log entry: 8,19
